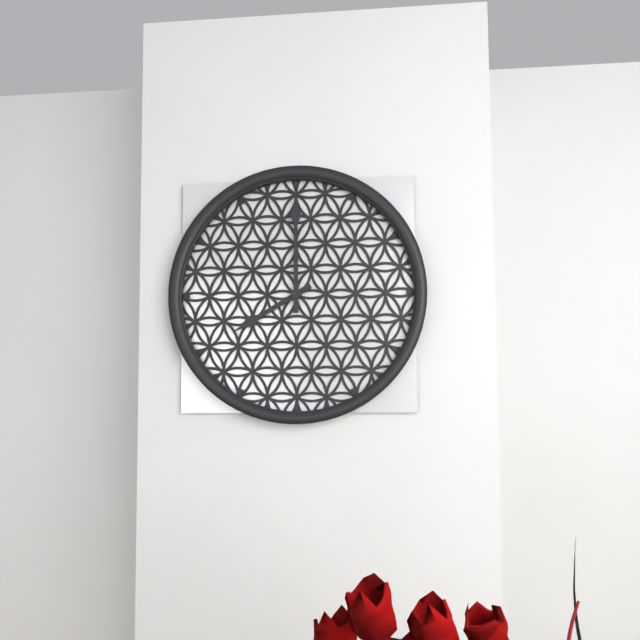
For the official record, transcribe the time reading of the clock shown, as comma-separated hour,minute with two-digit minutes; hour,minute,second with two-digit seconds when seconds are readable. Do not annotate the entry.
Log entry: 8,00
